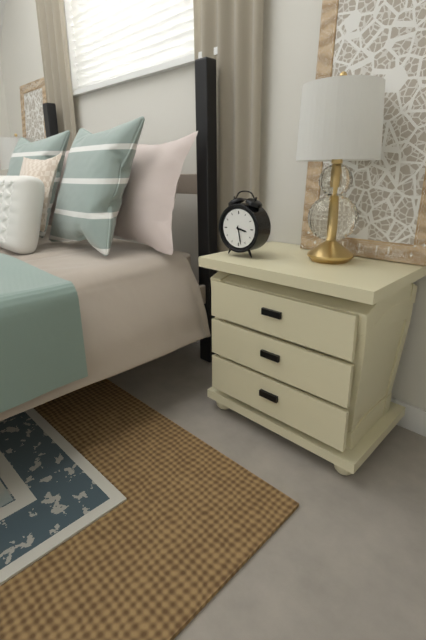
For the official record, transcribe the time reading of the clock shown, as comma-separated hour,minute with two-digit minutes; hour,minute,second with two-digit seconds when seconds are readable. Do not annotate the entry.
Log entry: 3,28
